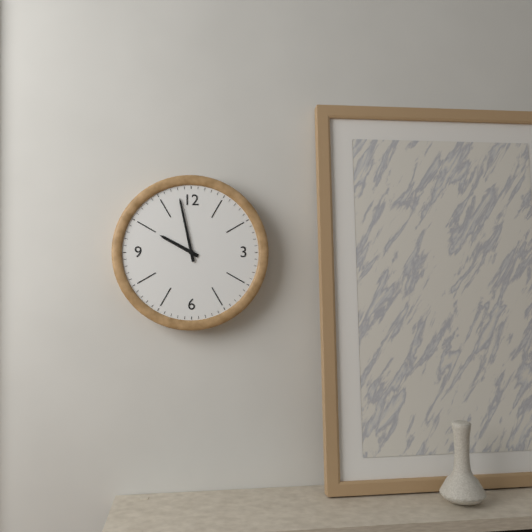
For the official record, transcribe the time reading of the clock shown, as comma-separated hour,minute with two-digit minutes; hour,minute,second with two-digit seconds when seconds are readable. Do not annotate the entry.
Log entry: 9,58
